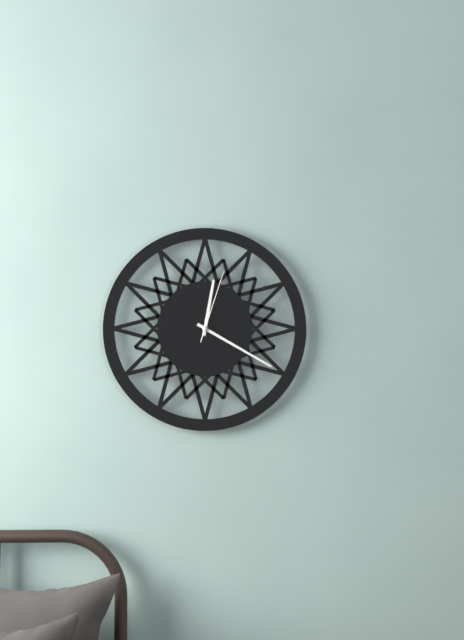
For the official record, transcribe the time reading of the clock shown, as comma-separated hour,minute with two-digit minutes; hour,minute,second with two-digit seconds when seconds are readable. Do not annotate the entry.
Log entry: 12,20,03
